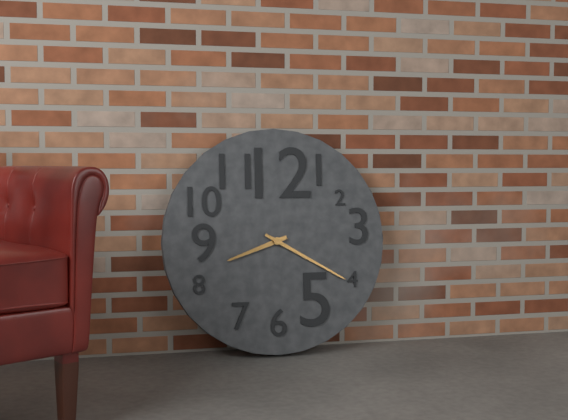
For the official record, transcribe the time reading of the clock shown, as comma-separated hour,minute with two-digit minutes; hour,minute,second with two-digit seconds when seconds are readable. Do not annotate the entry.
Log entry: 8,20
